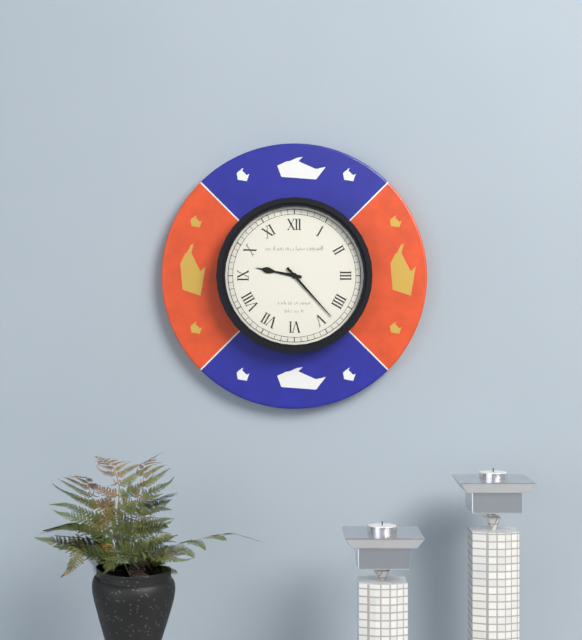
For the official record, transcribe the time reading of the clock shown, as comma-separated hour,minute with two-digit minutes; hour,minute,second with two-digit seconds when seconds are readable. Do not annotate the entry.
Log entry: 9,23
